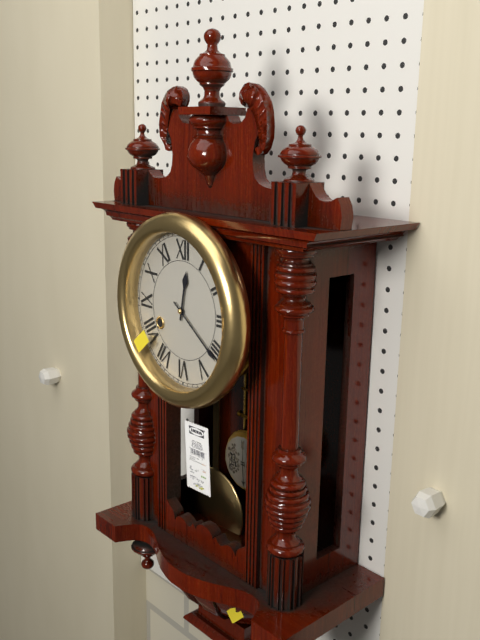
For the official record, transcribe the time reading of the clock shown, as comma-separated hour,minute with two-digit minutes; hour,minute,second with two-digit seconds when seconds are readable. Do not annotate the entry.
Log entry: 12,21
